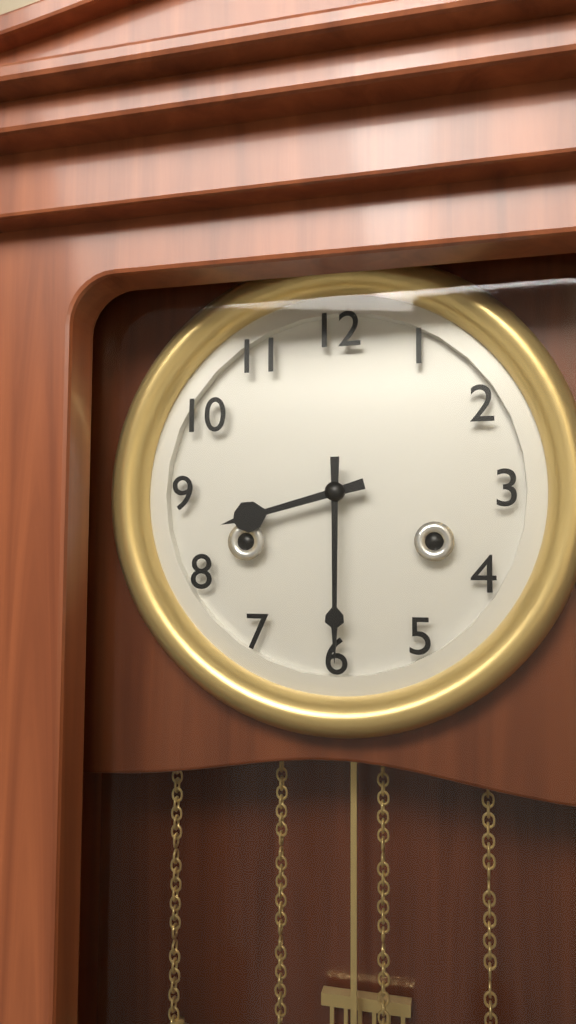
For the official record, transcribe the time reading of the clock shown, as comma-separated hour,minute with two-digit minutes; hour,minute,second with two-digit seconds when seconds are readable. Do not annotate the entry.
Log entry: 8,30
